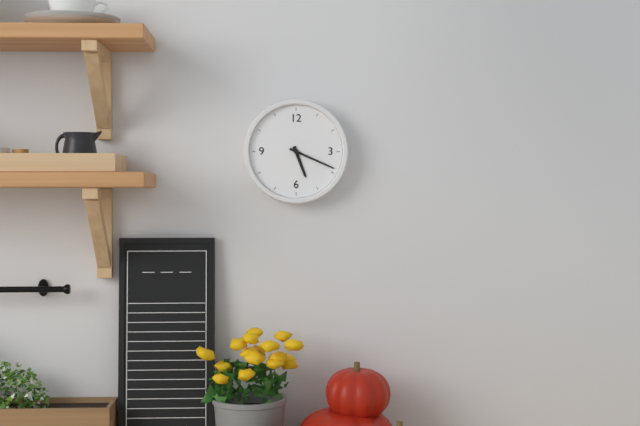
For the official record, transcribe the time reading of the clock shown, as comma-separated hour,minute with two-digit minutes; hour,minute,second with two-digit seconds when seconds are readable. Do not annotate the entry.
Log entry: 5,19
